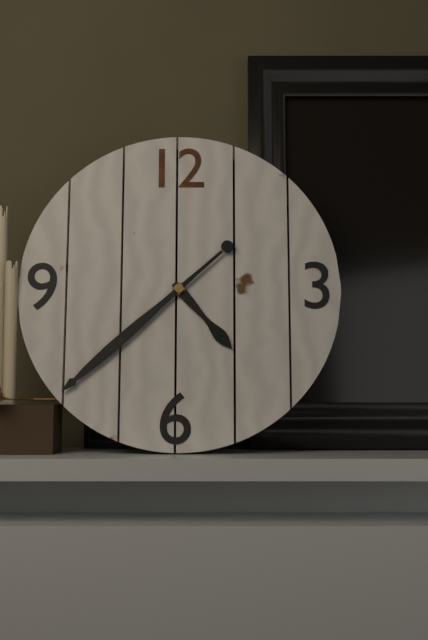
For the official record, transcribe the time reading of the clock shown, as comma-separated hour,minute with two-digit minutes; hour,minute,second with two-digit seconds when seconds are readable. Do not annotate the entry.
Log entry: 4,38
